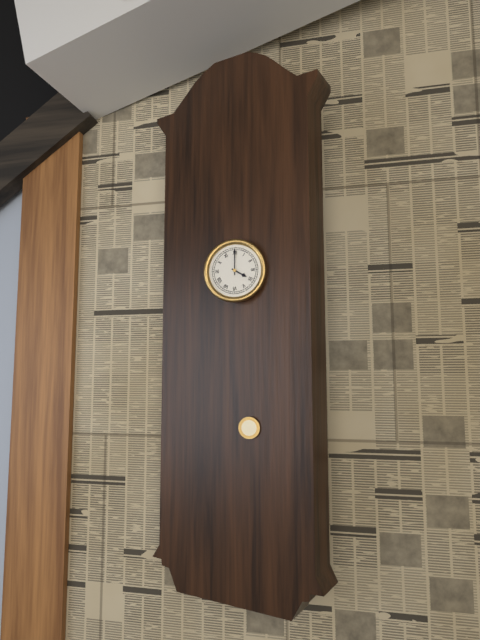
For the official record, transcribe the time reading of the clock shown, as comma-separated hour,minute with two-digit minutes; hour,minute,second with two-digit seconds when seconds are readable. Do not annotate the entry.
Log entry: 4,00
